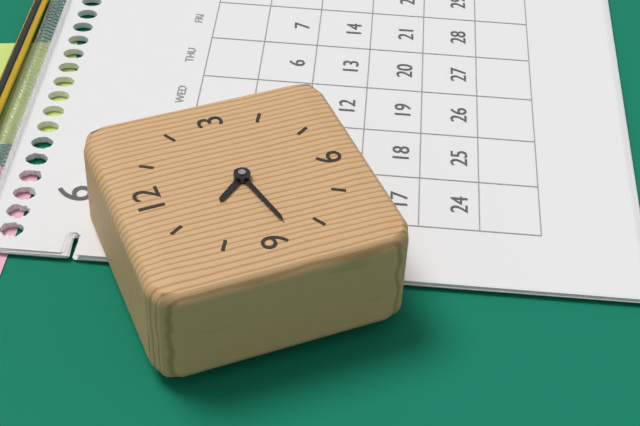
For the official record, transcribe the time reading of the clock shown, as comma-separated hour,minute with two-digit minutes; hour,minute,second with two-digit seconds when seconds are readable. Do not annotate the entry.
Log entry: 10,43
